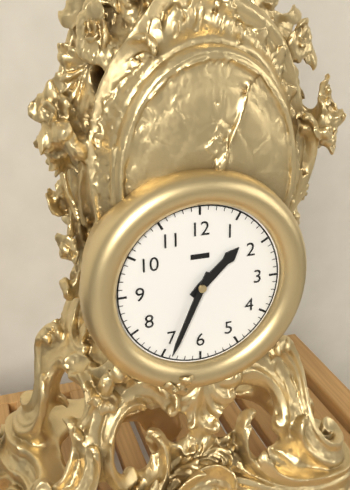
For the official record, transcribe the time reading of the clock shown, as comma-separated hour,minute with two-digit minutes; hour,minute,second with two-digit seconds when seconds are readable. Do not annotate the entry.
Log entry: 1,34
